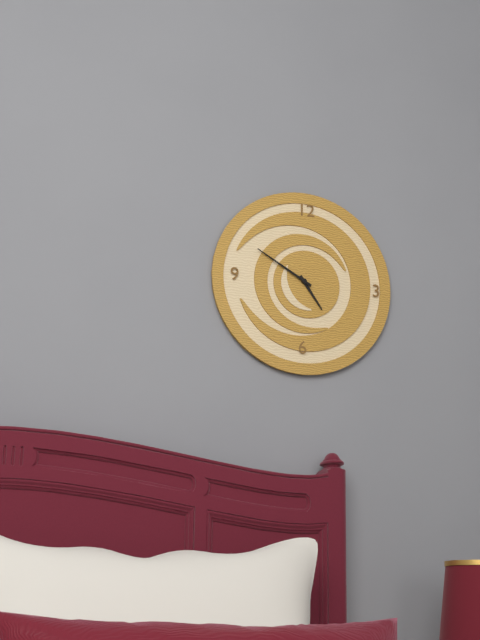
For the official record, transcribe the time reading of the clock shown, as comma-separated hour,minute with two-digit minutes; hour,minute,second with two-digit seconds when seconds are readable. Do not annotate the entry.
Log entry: 4,50
